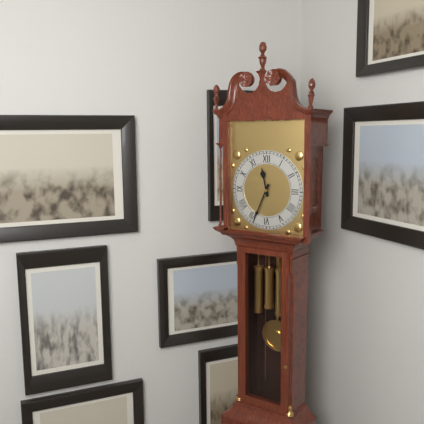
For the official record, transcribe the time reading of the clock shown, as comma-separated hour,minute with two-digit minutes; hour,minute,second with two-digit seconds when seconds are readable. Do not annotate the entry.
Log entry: 11,34
